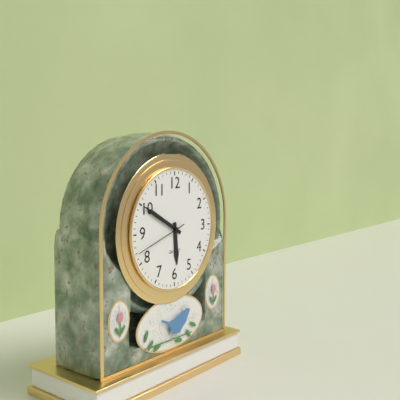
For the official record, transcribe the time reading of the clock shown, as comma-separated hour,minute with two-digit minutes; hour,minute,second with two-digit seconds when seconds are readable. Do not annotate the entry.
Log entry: 5,50,42
